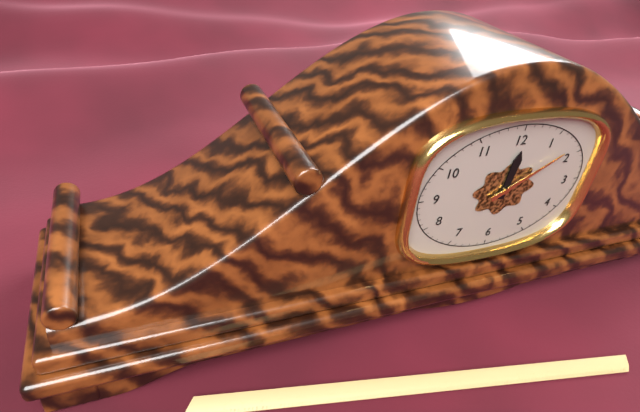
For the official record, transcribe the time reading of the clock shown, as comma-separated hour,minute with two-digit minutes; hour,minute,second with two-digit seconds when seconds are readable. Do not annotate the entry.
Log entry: 12,10
